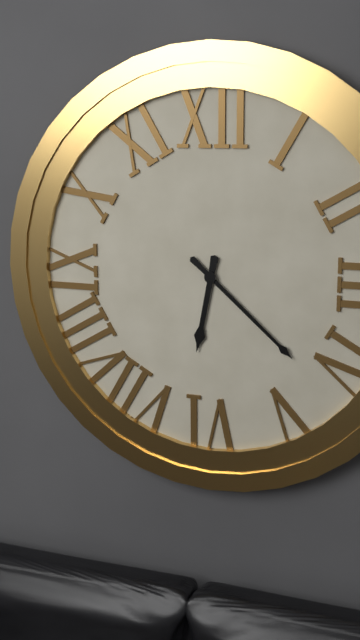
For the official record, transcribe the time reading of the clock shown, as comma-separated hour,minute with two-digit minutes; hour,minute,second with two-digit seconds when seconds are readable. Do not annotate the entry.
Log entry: 6,22
